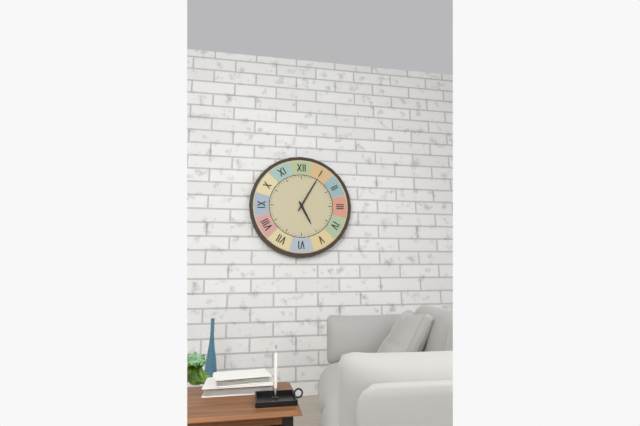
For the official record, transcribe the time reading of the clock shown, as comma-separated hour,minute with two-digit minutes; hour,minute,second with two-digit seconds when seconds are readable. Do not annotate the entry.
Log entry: 5,05
